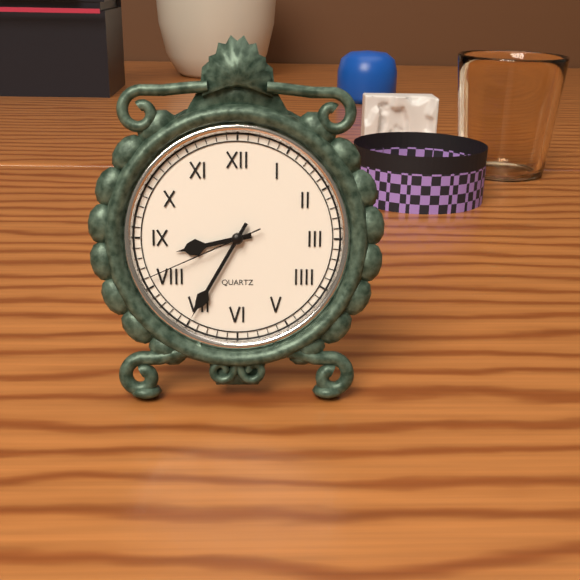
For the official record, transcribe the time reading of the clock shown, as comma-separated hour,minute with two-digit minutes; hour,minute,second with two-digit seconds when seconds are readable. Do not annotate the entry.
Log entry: 8,35,41
